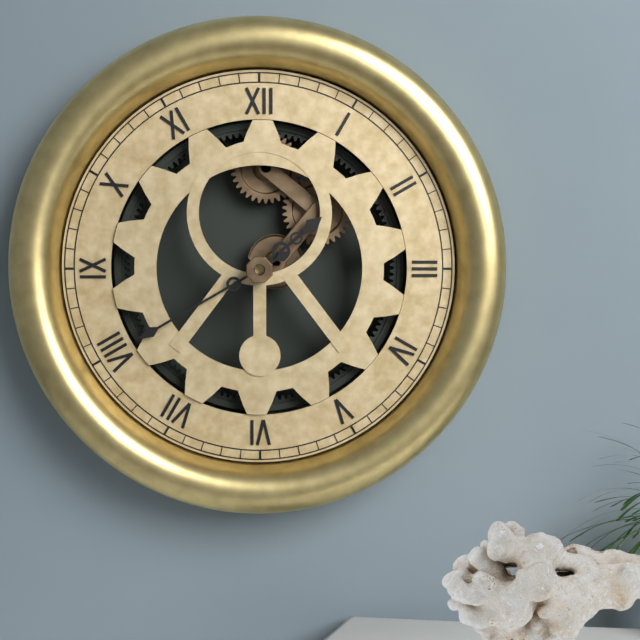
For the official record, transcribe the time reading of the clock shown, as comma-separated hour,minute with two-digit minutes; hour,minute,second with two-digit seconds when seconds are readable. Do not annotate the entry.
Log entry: 1,40
